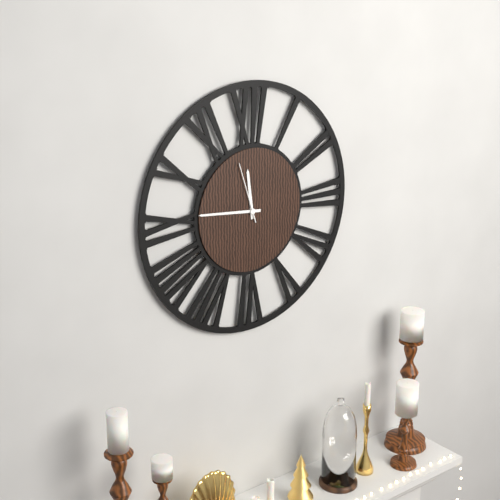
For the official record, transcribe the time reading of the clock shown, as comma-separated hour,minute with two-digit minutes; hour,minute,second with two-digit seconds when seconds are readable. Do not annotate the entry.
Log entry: 11,46,57
